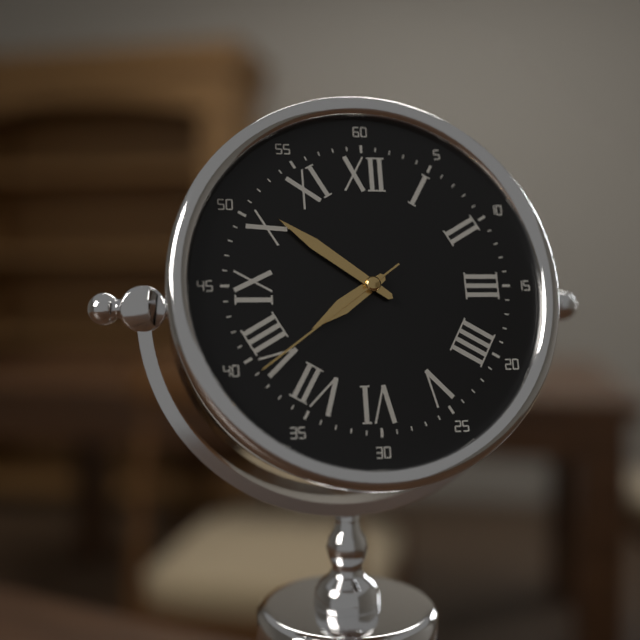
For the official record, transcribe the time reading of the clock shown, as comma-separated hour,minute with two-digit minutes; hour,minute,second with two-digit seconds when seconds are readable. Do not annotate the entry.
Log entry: 7,51,39
